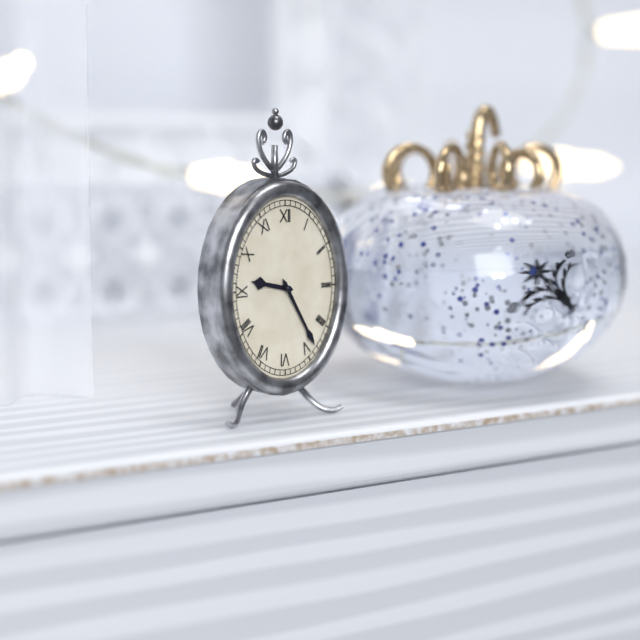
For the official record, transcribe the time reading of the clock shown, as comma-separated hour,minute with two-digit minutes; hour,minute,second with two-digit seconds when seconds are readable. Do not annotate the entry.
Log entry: 9,25
